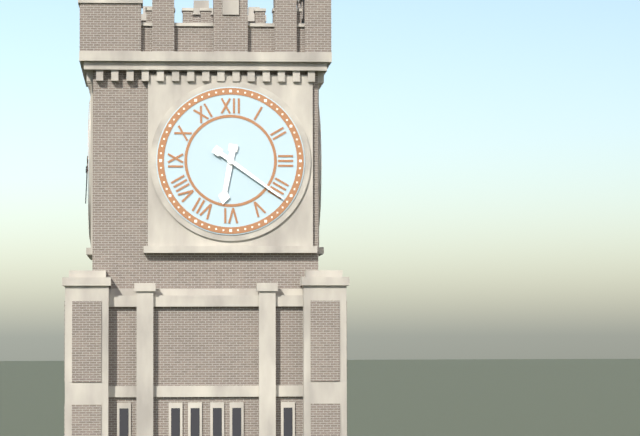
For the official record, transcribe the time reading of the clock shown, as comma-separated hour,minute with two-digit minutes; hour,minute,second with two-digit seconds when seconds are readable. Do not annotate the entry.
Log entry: 6,21
